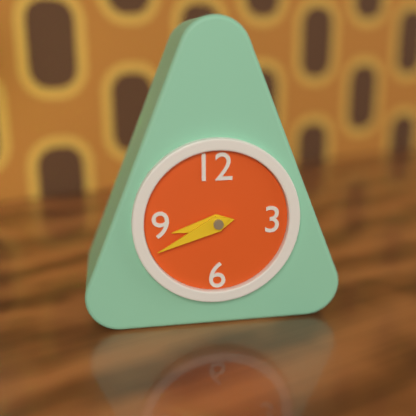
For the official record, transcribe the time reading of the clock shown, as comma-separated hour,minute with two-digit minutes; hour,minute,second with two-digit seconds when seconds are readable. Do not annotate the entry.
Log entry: 8,41
